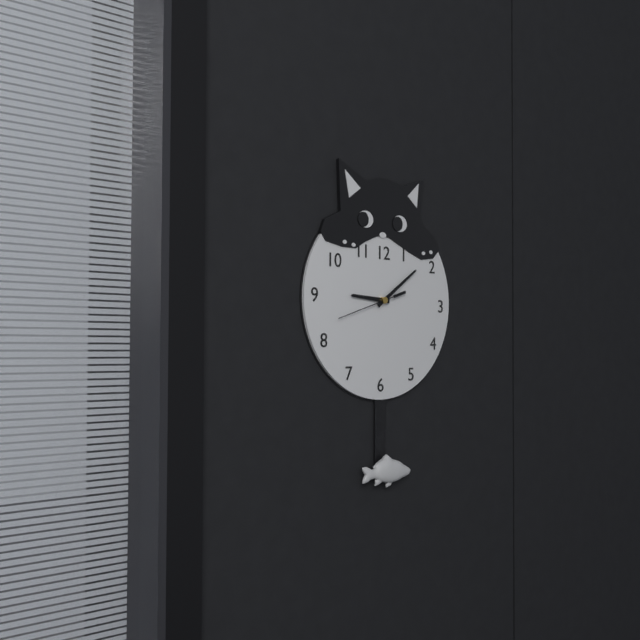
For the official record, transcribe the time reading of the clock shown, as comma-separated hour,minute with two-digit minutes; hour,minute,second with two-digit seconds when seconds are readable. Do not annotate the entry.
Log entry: 9,09,42
